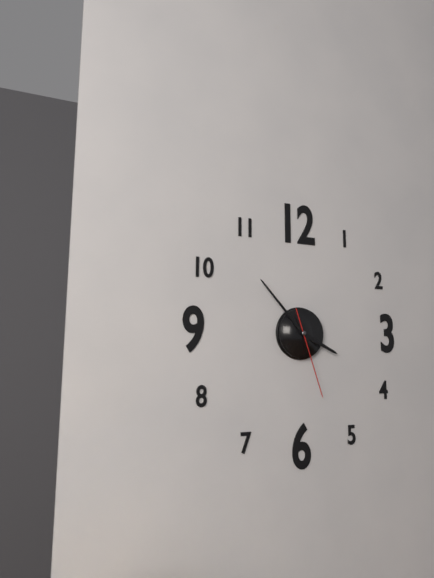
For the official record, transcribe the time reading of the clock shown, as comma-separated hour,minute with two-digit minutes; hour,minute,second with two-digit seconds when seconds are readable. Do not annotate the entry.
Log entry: 3,53,27
